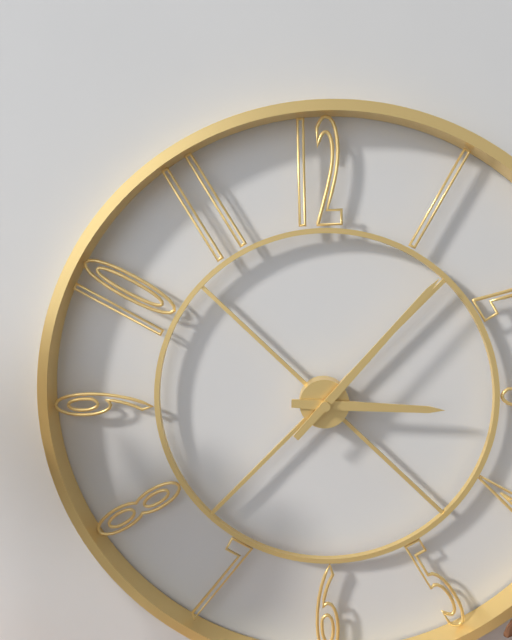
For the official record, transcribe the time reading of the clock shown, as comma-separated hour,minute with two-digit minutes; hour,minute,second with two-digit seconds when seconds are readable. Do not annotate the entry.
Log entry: 3,07
